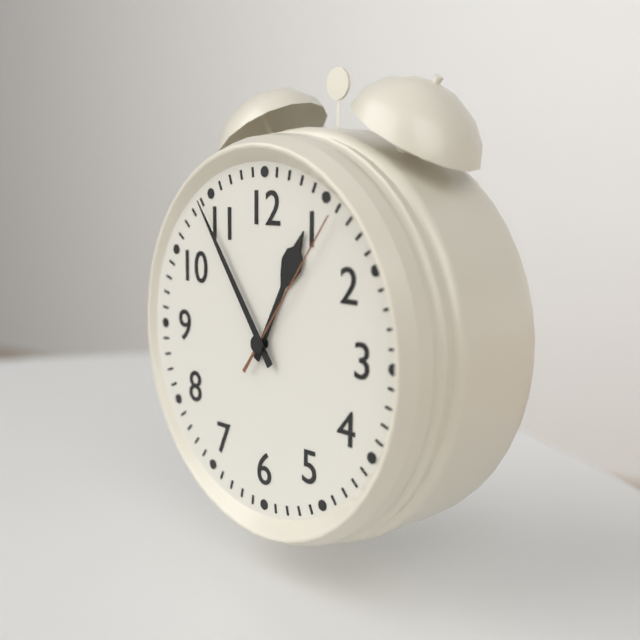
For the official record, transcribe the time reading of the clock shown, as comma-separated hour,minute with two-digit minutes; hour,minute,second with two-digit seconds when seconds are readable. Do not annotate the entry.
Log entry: 12,54,06
